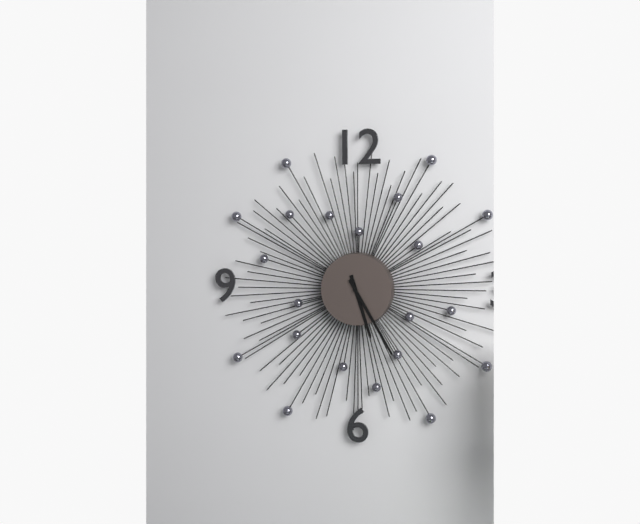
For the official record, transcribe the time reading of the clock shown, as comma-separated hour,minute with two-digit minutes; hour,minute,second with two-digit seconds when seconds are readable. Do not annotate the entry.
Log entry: 5,25
